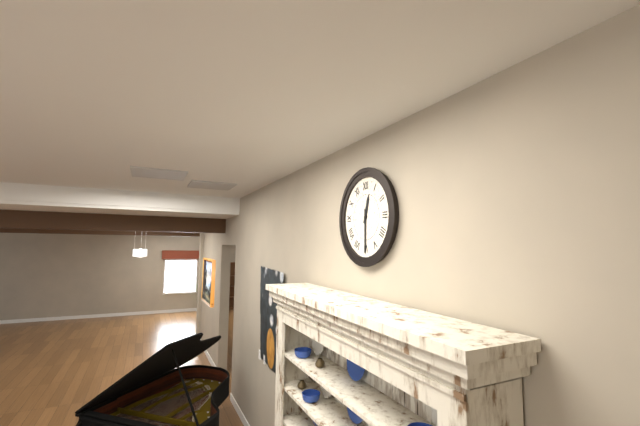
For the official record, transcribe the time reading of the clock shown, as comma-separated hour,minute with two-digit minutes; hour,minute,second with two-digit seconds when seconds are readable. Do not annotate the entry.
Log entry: 12,30
